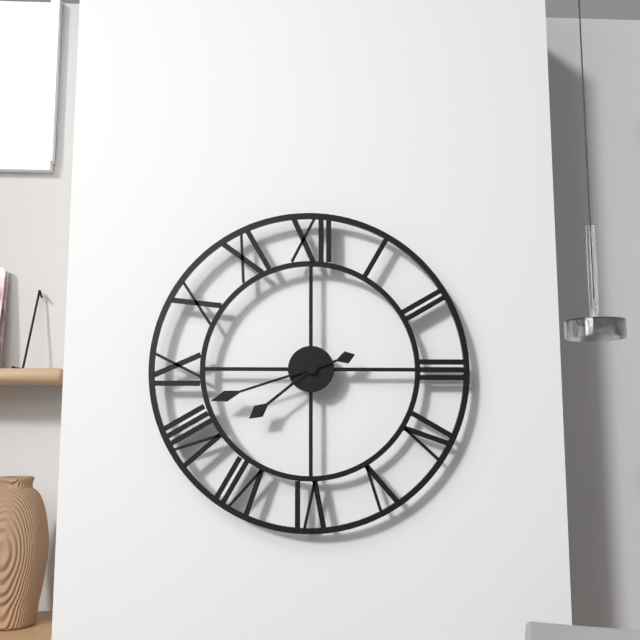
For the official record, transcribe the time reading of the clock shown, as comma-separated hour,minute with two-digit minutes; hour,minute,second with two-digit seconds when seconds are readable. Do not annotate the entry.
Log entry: 7,42
